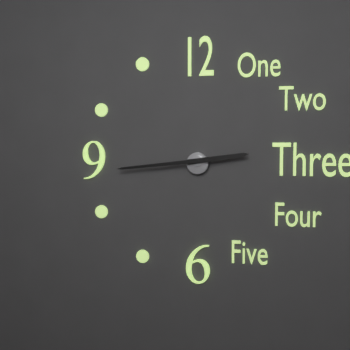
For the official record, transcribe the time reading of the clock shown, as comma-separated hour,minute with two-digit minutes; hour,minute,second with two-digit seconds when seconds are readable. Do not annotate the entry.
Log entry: 2,44
